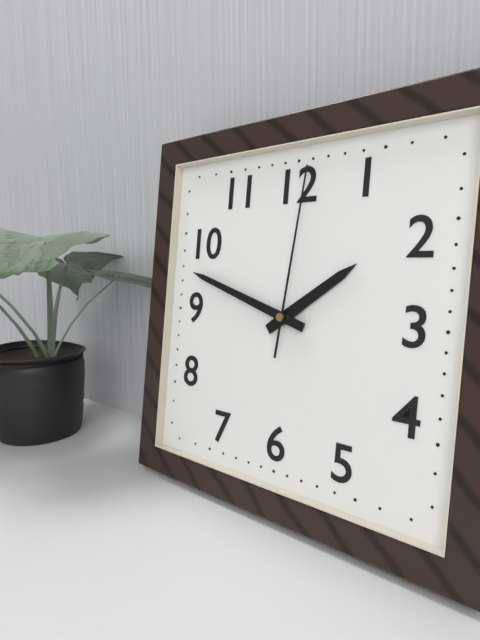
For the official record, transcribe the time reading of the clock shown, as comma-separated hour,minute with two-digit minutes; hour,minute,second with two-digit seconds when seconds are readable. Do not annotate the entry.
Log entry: 1,48,01
